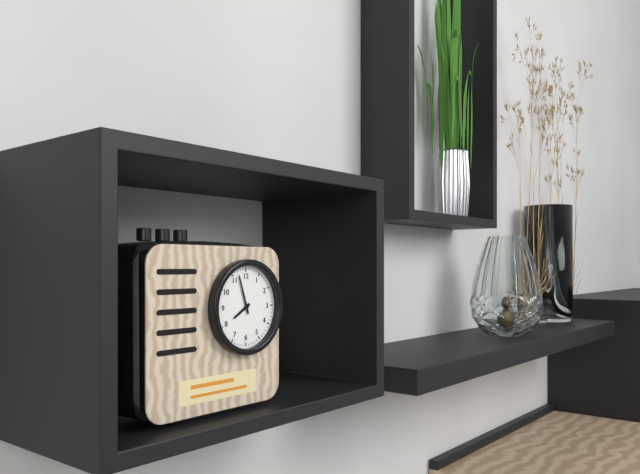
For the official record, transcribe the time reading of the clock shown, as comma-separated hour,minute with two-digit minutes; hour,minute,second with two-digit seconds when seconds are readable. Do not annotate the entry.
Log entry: 7,57
